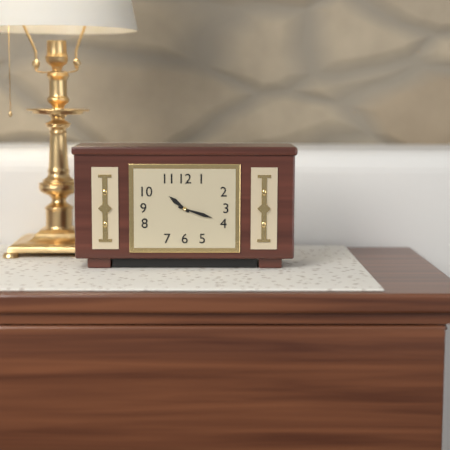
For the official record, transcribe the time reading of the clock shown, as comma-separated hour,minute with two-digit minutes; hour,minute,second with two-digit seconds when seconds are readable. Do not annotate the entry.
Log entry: 10,18
